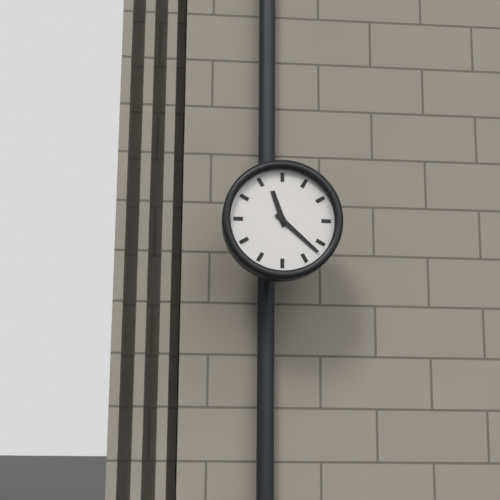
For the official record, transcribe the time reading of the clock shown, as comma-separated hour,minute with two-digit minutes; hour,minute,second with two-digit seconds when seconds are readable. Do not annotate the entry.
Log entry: 11,22
